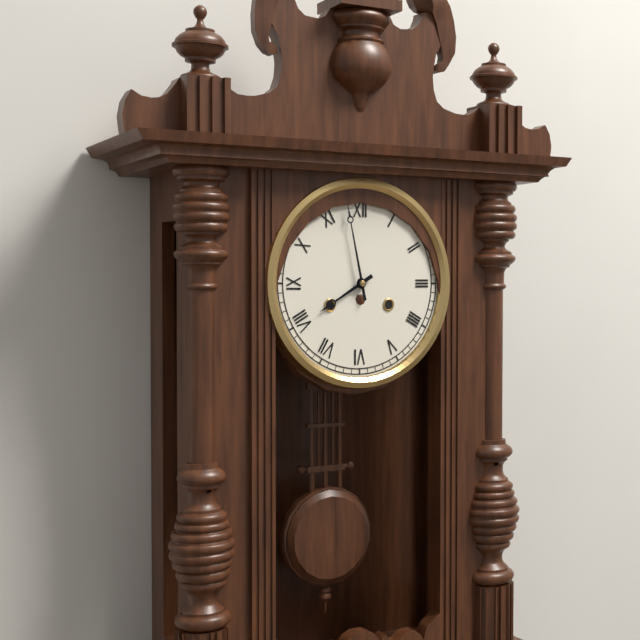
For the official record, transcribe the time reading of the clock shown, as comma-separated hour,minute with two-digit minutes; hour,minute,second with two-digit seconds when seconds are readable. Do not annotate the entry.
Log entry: 7,58
